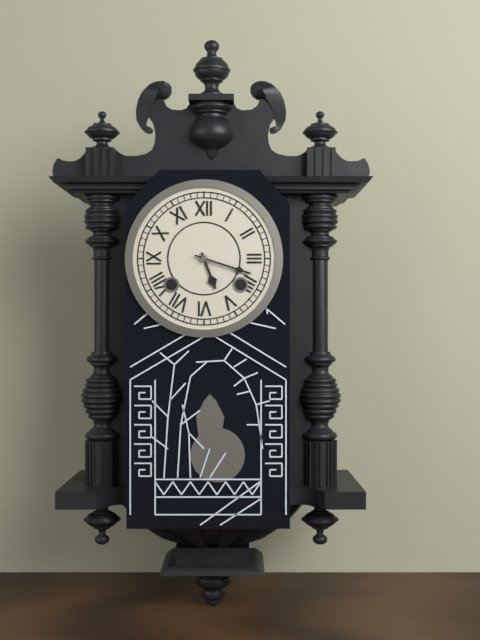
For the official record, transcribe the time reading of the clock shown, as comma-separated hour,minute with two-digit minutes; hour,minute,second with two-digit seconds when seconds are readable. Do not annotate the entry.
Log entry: 5,18
